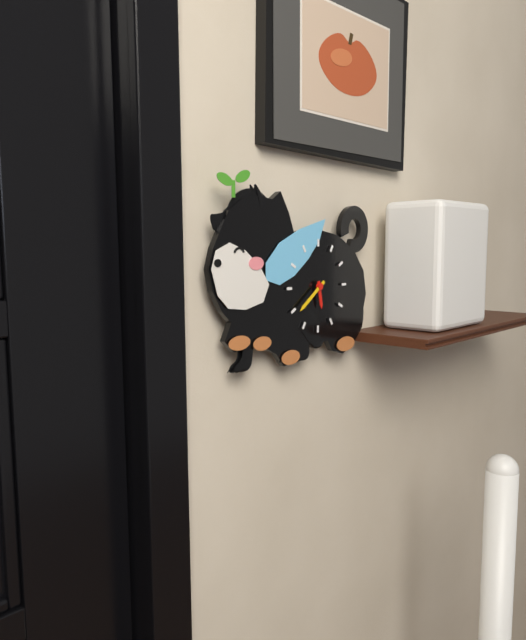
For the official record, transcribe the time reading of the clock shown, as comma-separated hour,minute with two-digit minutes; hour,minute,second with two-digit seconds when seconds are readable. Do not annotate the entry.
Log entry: 5,39
